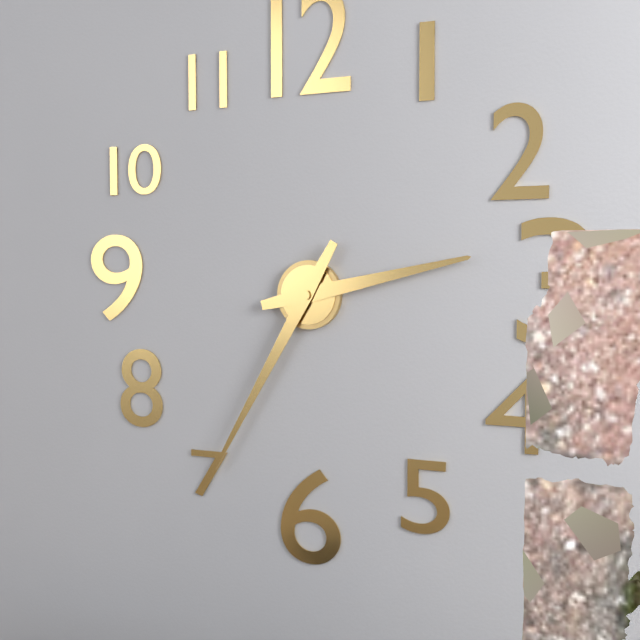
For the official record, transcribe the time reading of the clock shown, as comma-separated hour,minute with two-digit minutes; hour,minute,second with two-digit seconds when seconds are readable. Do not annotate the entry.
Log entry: 2,35
